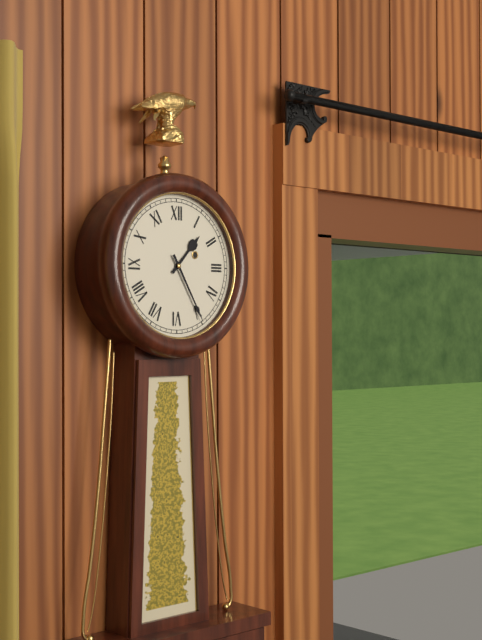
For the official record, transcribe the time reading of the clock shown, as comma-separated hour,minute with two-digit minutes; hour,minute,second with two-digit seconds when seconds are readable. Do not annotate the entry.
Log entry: 1,25
